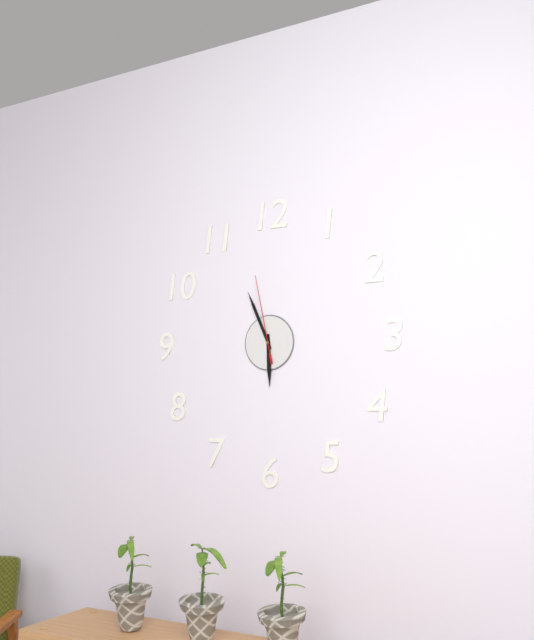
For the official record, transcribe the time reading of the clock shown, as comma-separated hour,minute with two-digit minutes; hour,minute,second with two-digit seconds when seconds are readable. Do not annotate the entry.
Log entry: 5,56,58
